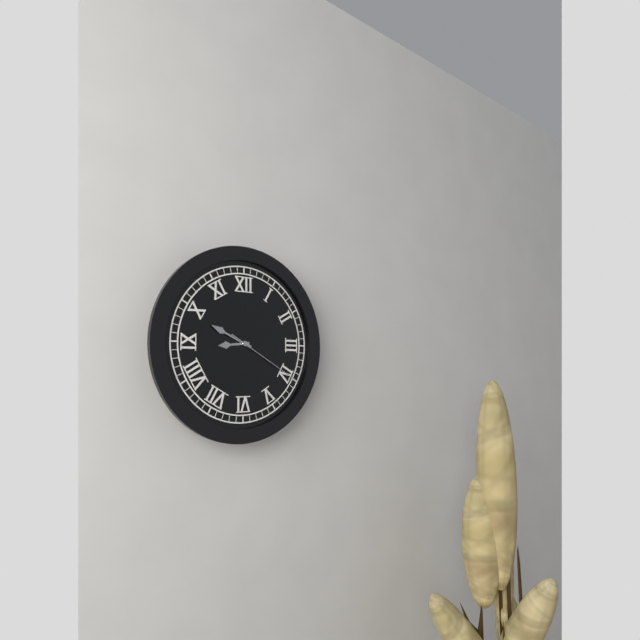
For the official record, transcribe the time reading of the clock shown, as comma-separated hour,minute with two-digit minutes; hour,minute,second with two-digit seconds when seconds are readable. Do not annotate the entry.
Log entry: 8,49,20
